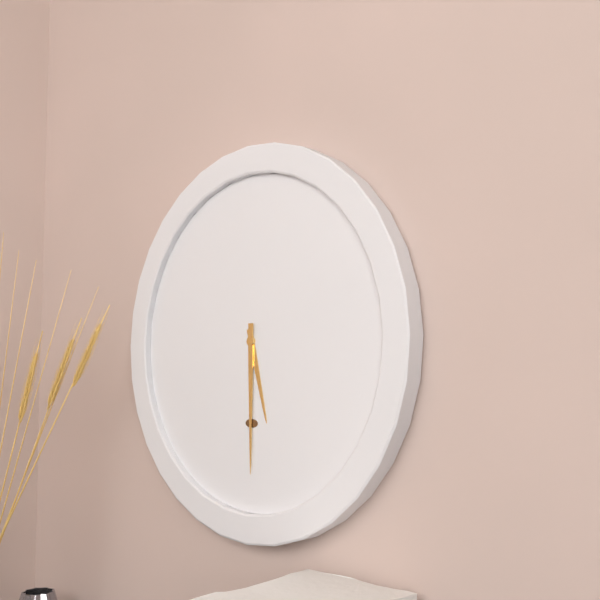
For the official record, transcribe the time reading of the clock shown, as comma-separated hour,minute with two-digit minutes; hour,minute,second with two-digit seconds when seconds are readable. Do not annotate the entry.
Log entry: 5,30
